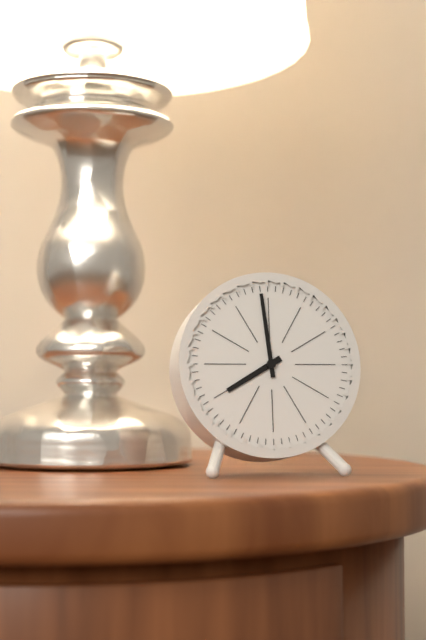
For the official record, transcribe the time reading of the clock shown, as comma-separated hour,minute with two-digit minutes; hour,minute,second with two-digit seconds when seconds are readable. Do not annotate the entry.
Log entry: 7,59
